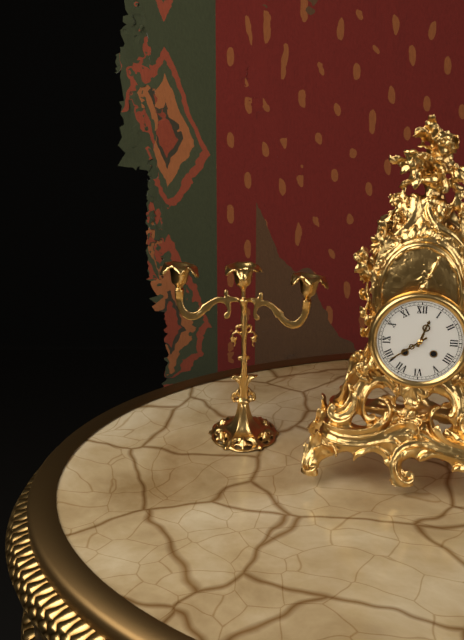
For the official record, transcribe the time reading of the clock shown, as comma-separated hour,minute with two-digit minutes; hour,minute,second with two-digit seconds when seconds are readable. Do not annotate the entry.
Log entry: 12,39
